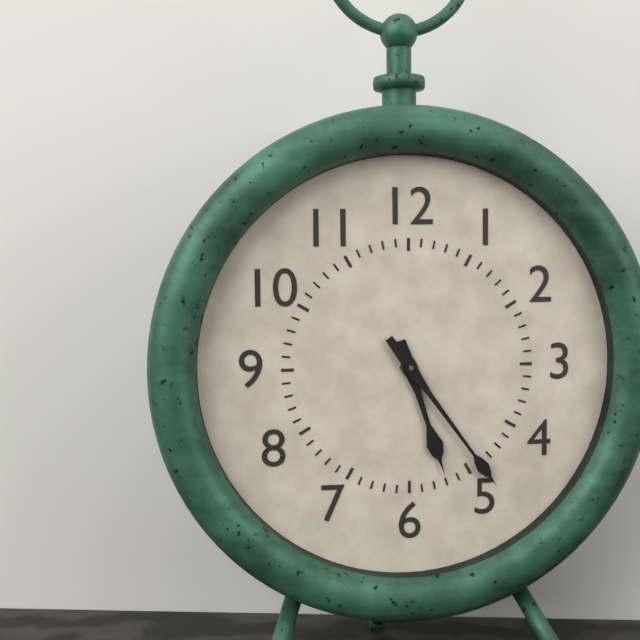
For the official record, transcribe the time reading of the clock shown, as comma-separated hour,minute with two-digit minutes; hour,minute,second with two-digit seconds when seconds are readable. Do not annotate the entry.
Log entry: 5,24
